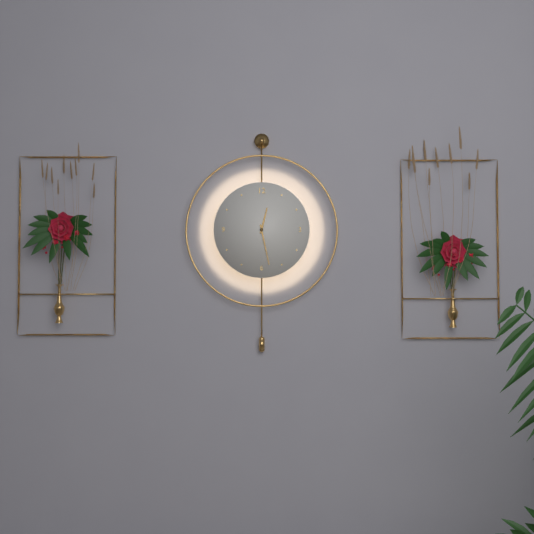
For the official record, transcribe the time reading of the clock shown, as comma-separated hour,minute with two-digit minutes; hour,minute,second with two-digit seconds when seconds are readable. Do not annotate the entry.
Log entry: 12,28
